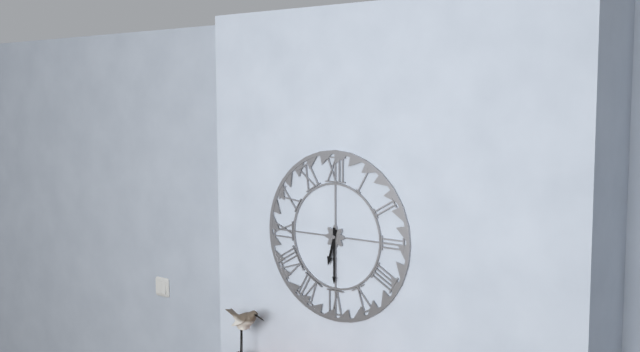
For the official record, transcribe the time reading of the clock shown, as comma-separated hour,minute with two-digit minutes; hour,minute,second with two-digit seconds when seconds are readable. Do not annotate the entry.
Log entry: 6,30
